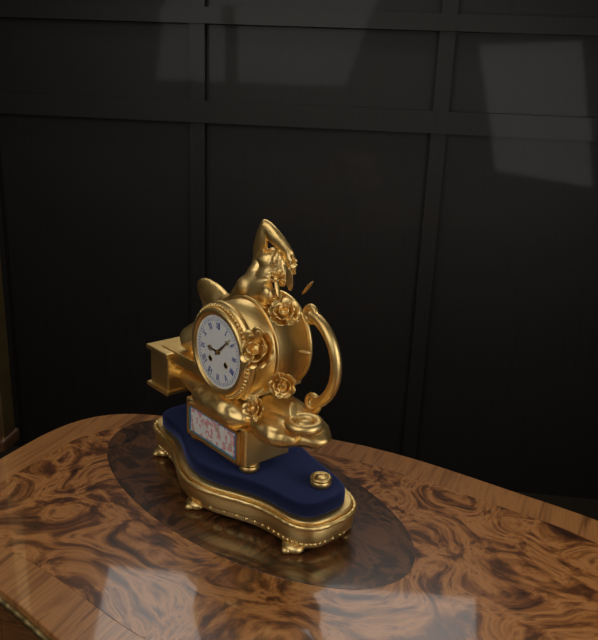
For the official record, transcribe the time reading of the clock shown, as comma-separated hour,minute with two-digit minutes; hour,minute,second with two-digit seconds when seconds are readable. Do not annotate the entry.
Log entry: 9,08
